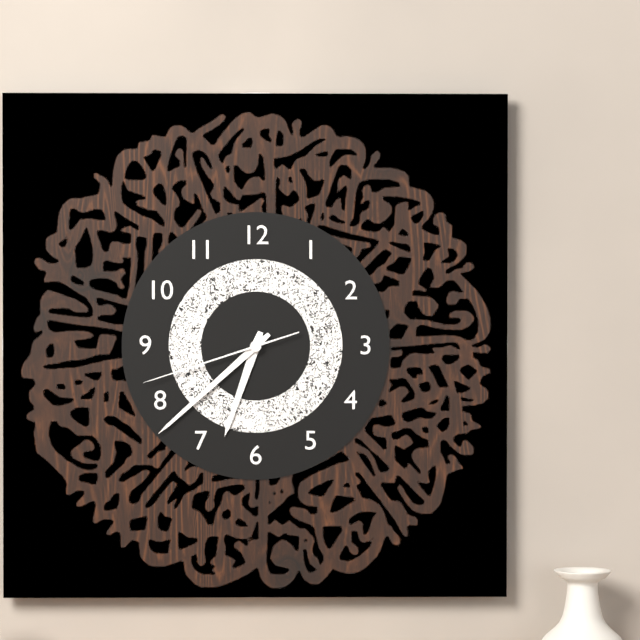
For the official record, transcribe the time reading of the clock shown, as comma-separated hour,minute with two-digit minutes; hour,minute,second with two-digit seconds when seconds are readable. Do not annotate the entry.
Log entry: 6,38,42
